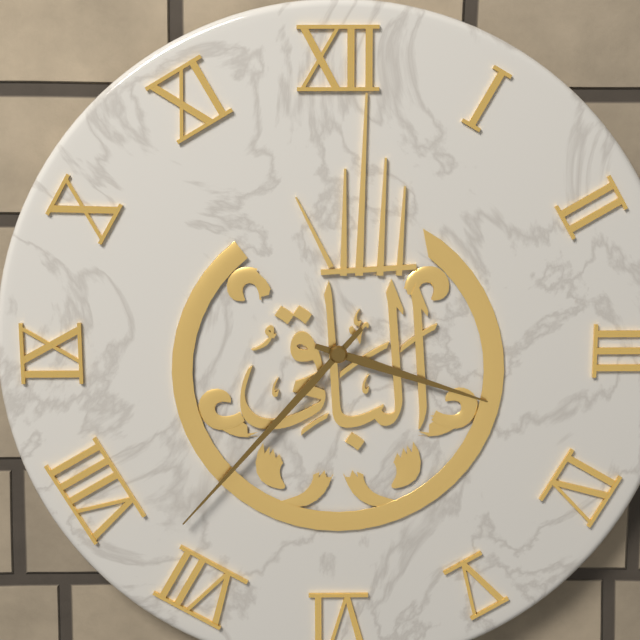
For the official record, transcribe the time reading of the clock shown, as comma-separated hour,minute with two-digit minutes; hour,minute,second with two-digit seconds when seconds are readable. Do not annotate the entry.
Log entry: 3,37
